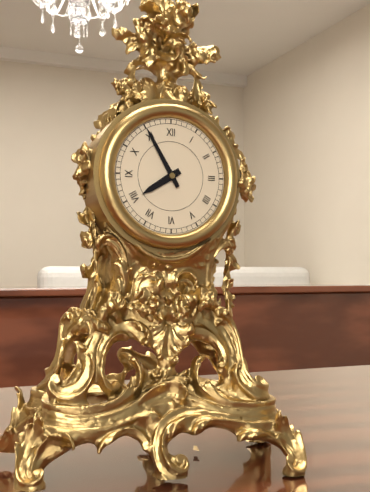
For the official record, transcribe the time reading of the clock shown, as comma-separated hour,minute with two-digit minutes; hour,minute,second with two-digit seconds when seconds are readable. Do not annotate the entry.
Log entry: 7,55
